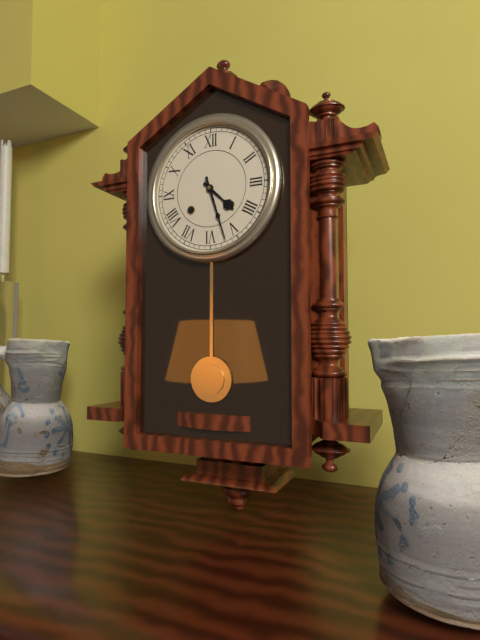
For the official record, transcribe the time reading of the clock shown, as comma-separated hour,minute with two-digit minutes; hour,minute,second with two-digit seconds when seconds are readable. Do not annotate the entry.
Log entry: 4,27
